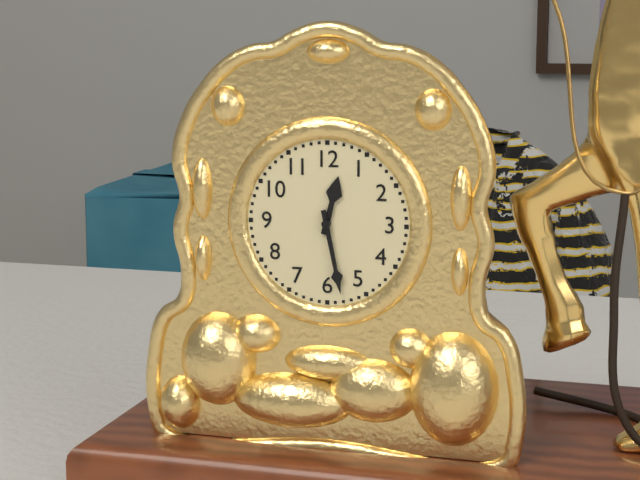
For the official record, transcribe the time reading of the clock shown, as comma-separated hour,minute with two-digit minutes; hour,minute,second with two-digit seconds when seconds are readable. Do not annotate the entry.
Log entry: 12,28
